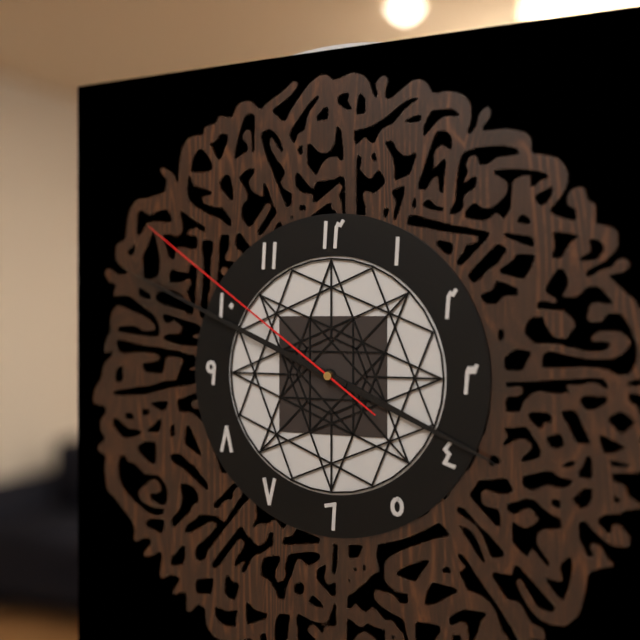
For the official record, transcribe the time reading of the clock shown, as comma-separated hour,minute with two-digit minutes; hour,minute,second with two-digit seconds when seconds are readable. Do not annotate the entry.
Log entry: 3,49,51
